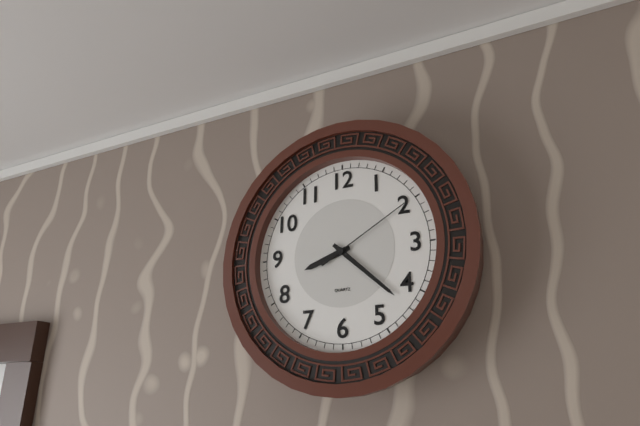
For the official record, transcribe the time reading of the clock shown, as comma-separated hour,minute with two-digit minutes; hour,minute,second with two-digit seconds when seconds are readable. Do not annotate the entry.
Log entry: 8,22,10
